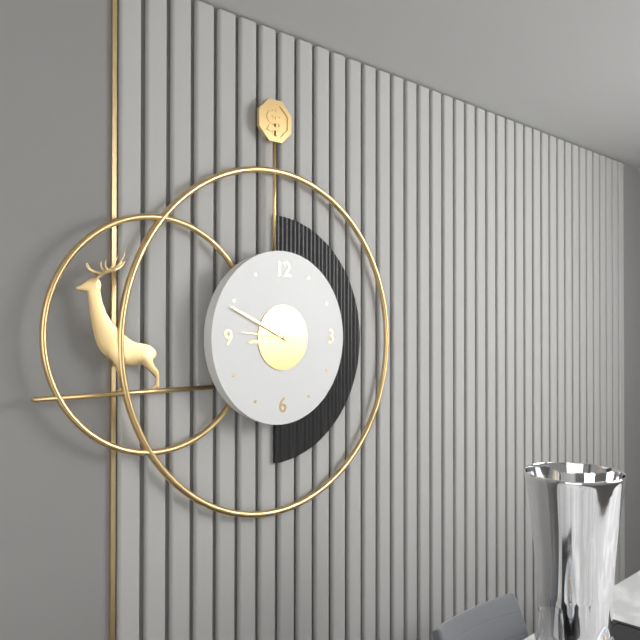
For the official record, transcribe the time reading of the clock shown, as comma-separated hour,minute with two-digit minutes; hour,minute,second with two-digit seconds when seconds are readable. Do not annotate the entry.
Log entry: 8,49,46
